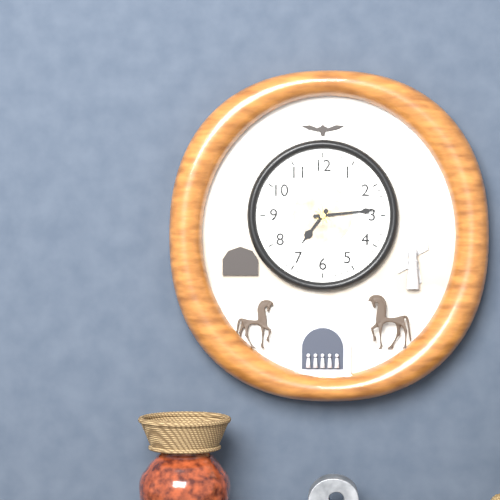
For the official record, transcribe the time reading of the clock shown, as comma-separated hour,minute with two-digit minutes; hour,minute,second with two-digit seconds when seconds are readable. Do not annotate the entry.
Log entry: 7,14
